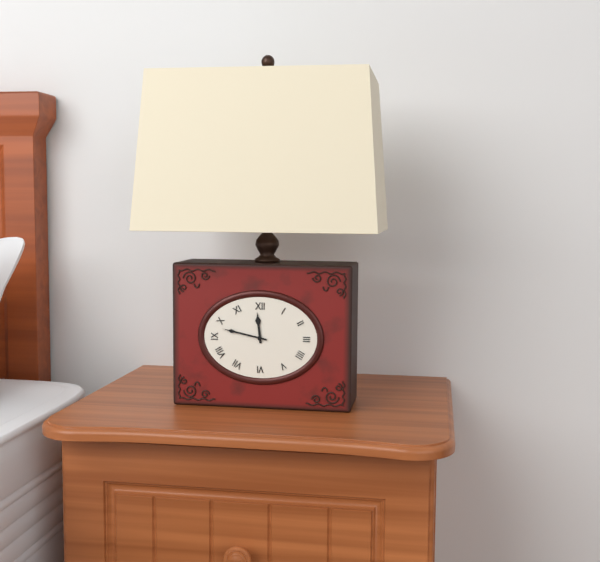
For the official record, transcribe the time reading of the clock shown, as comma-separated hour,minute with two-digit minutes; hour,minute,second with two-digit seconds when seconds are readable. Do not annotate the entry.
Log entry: 11,47
